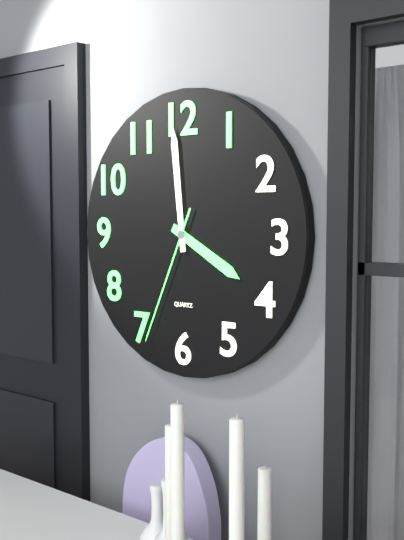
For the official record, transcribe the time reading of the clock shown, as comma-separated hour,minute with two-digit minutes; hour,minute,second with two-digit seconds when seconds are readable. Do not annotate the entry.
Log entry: 3,59,34
